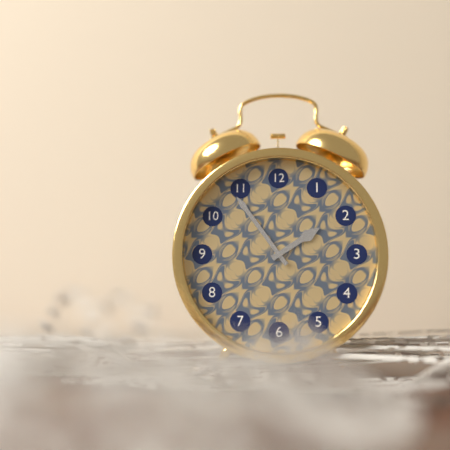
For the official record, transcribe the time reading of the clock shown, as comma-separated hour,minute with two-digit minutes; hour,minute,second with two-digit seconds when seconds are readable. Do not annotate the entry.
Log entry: 1,54
